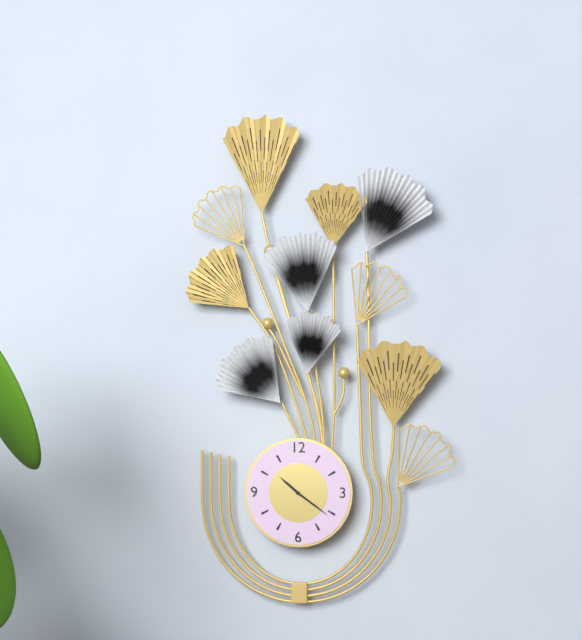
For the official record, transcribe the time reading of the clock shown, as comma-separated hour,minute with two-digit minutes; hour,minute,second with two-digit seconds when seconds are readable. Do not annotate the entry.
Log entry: 10,21
